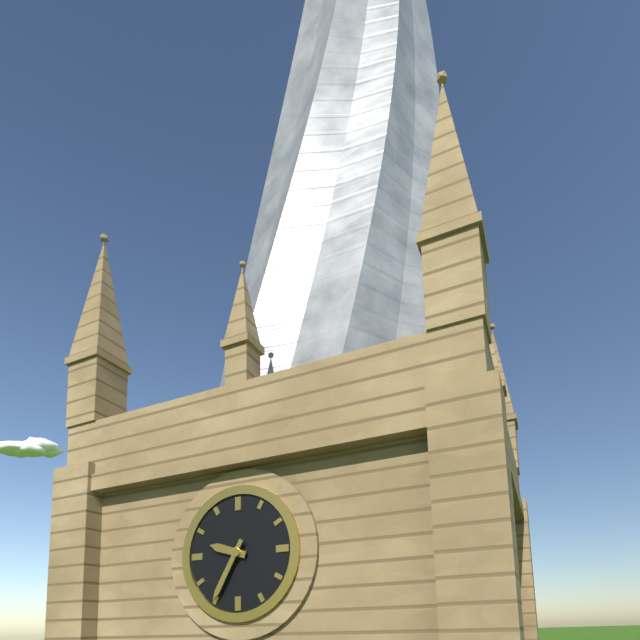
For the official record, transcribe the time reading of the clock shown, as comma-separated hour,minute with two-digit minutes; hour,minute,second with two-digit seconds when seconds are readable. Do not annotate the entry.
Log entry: 9,35
